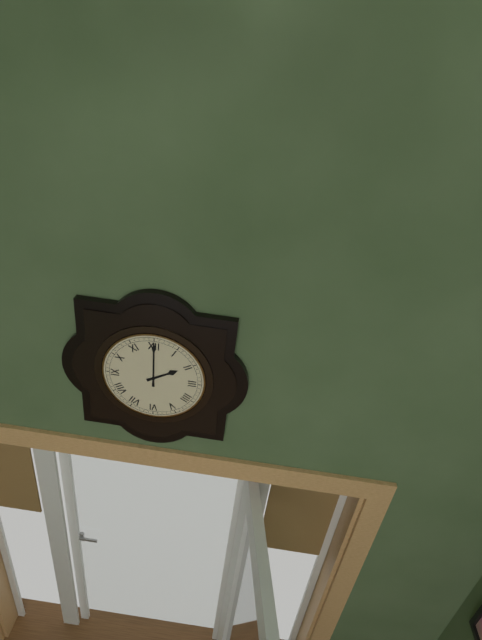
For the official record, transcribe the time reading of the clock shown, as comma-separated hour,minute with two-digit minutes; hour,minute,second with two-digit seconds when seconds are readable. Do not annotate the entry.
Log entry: 2,00
